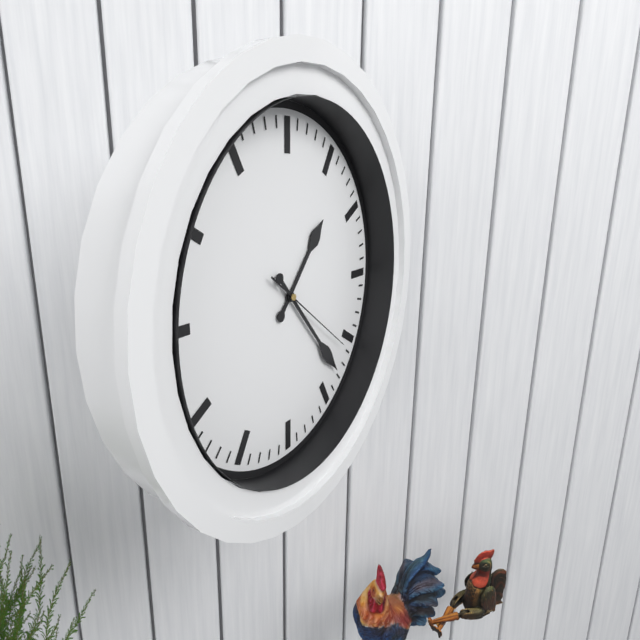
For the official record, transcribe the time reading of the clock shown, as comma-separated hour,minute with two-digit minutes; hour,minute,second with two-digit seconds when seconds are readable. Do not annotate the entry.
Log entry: 1,23,21
